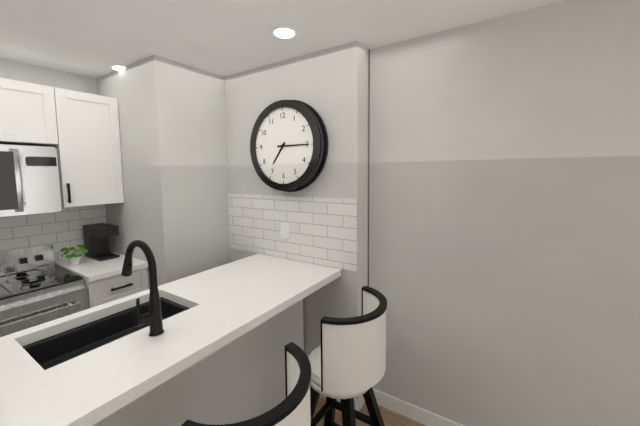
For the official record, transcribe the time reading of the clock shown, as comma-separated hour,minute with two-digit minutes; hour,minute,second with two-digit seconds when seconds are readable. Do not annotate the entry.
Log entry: 7,15
